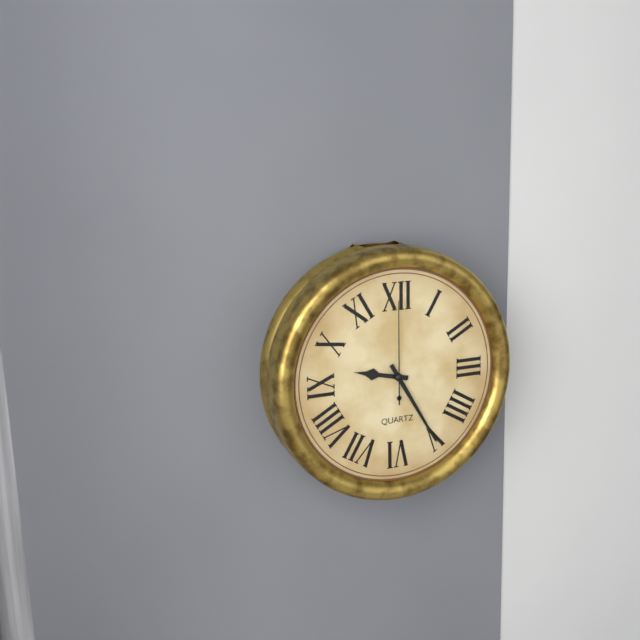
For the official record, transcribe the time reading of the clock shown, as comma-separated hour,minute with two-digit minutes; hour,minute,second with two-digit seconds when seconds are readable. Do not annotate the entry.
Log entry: 9,25,00
